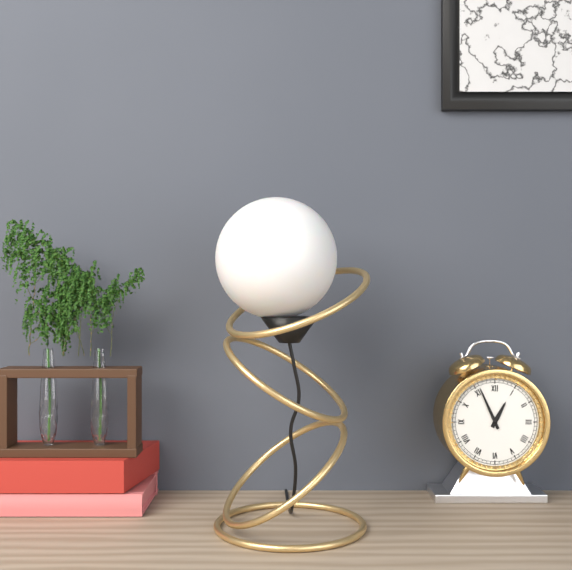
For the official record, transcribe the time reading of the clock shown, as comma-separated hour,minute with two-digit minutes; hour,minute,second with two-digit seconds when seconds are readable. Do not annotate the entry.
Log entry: 12,56
